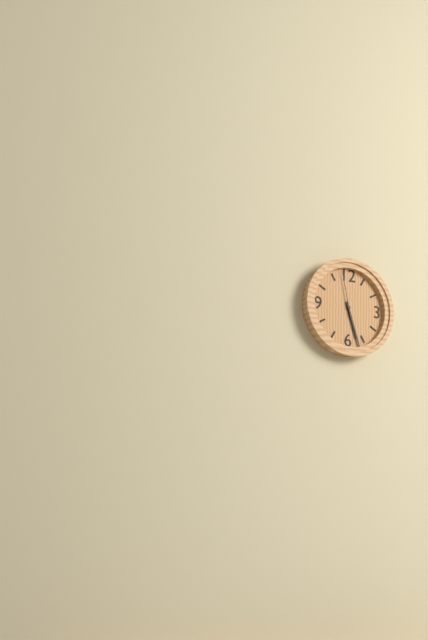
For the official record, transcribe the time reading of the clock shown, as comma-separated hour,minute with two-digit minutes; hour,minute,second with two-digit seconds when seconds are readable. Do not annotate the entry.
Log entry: 5,27
